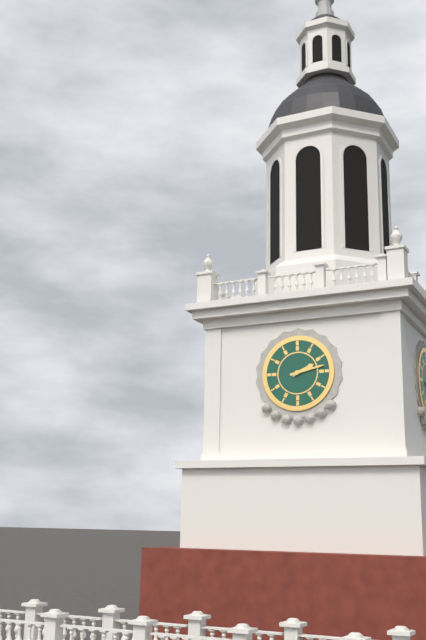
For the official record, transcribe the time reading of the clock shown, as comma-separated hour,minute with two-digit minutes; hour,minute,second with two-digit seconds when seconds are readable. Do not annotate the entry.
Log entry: 2,13
